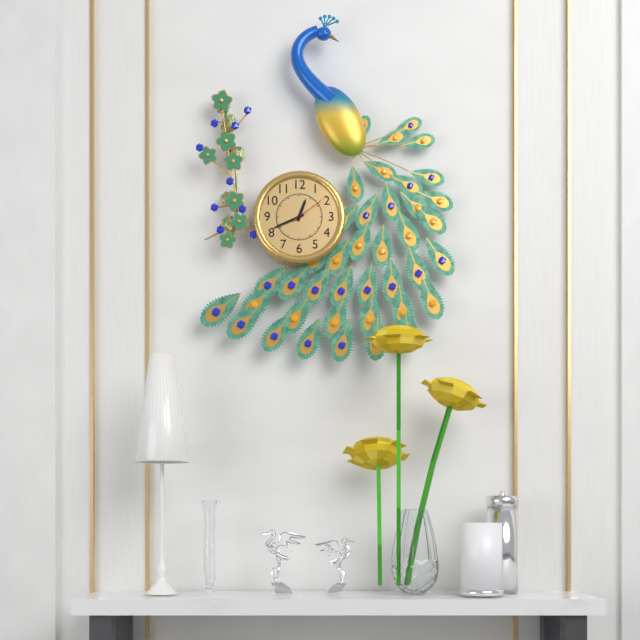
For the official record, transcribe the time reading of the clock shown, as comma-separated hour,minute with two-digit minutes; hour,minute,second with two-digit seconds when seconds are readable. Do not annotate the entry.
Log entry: 12,41
